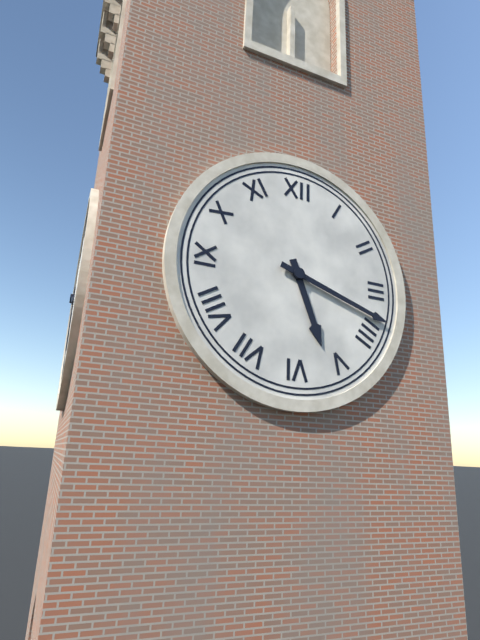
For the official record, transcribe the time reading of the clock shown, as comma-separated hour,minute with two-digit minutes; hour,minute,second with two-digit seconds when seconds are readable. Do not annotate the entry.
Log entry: 5,18
